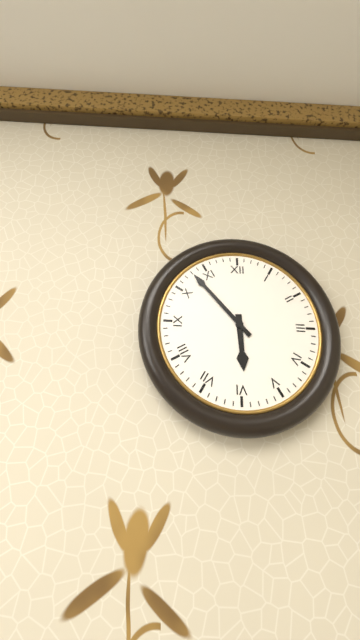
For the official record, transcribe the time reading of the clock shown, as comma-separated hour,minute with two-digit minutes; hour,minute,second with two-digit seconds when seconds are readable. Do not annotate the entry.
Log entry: 5,53
